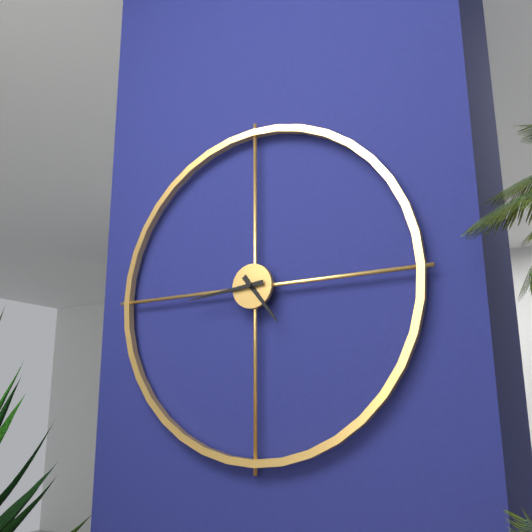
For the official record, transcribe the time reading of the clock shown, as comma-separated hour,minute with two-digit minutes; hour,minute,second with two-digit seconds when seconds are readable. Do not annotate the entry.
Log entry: 4,44
